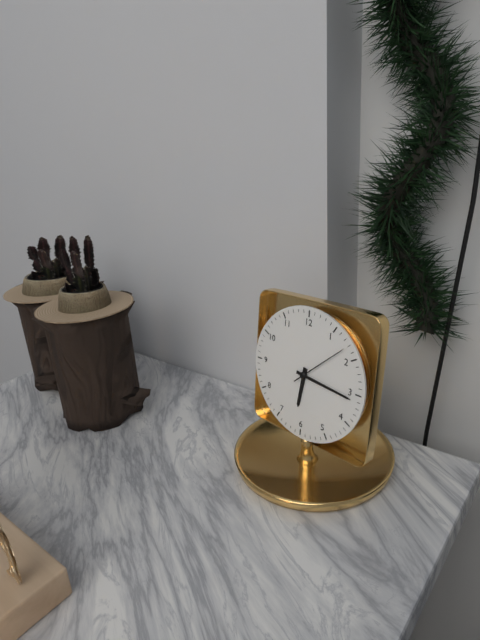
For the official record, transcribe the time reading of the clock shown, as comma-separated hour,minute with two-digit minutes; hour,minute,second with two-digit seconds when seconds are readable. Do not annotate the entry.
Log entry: 6,16,08
